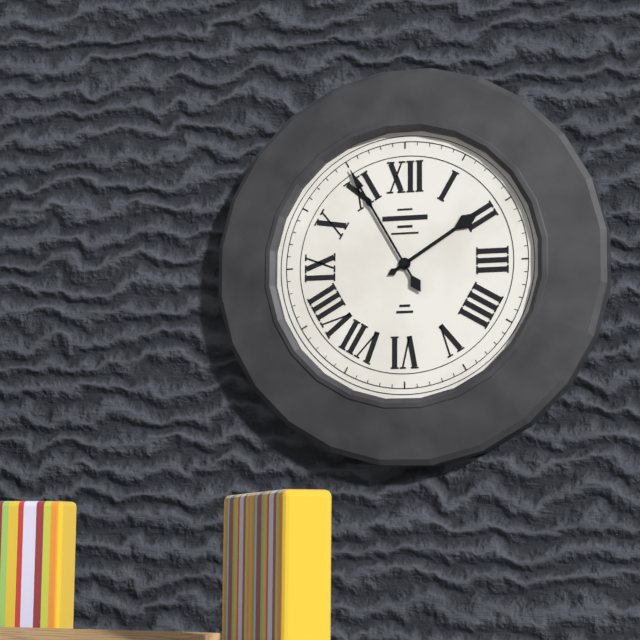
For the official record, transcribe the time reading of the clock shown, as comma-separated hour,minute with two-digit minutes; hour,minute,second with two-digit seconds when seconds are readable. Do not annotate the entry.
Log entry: 1,55
